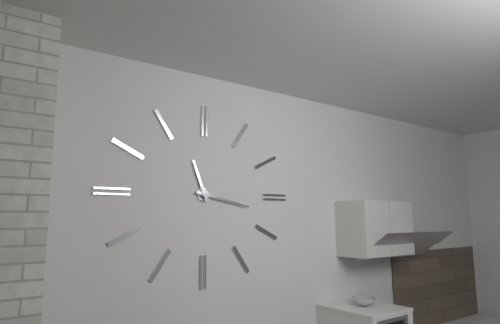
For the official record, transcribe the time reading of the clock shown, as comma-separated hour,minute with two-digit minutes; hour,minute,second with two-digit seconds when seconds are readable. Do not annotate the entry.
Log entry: 11,17
